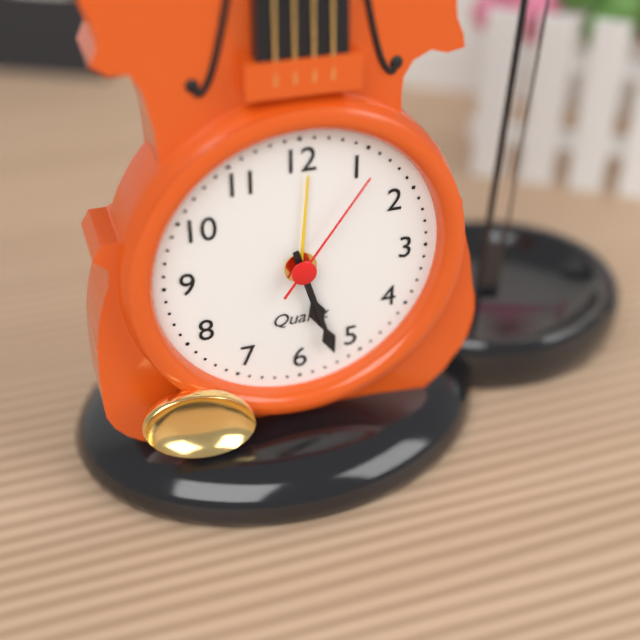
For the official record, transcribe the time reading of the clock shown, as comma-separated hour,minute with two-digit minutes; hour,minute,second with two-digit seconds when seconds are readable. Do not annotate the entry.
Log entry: 5,27,06
